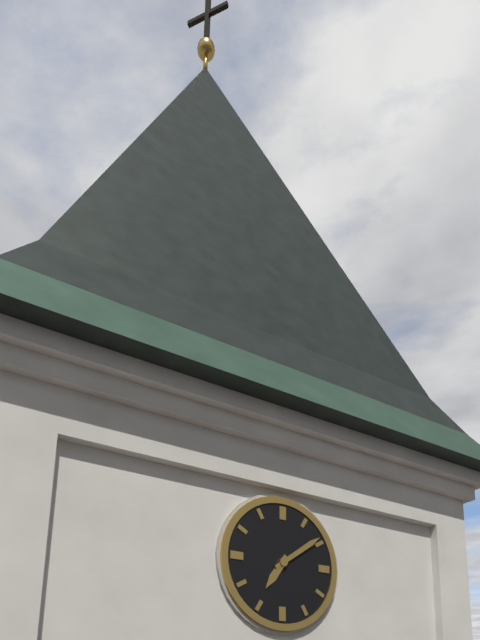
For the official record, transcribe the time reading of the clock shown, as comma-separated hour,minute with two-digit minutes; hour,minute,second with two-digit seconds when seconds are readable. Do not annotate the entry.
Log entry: 7,09
